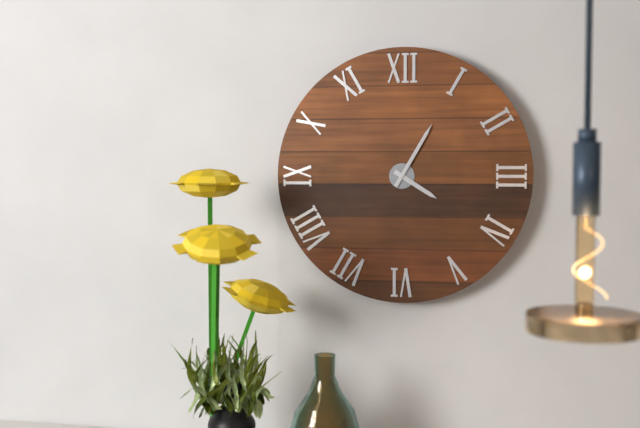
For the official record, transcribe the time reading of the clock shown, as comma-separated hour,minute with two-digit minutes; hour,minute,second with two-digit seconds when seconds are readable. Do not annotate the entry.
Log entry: 4,05
